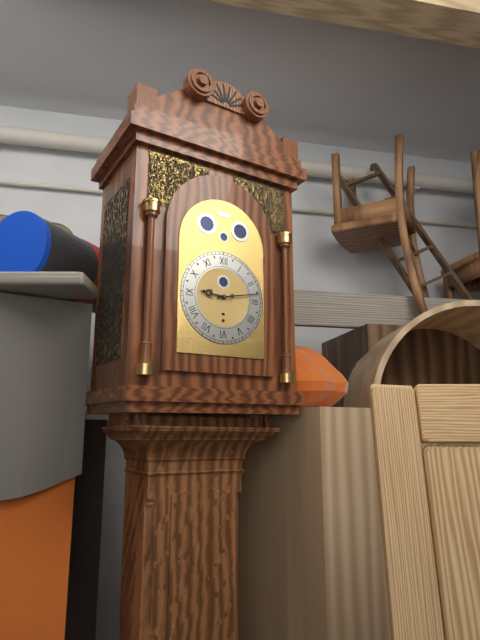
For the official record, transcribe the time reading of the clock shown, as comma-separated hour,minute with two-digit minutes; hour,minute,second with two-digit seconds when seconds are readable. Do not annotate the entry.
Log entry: 9,13
